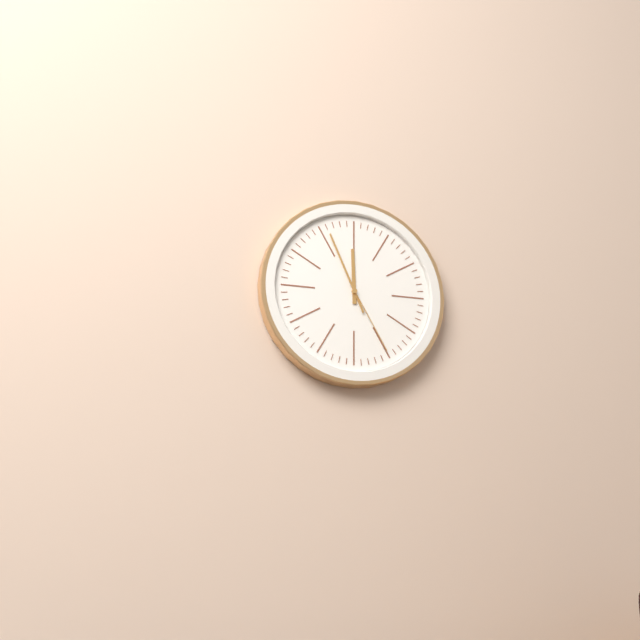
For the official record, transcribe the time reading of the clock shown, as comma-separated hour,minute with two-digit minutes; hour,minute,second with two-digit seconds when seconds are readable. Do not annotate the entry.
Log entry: 11,56,25
